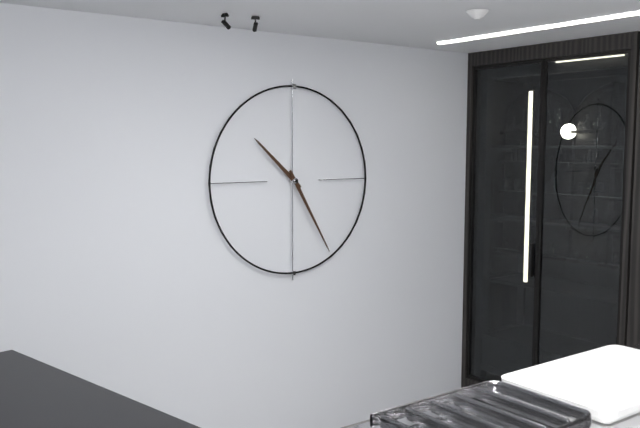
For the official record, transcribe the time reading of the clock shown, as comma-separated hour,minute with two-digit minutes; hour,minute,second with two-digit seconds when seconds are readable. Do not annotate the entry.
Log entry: 10,25
